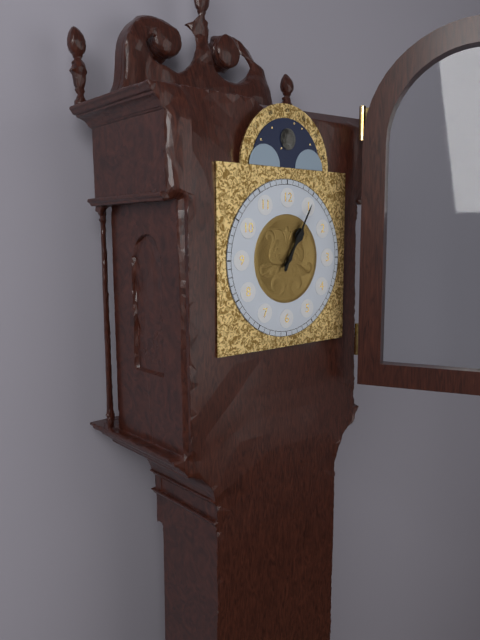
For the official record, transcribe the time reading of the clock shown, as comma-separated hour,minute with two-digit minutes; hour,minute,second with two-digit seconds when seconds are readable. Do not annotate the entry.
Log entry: 1,05
